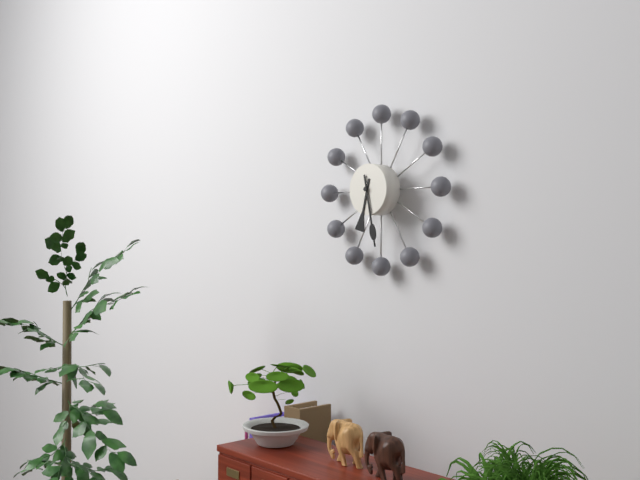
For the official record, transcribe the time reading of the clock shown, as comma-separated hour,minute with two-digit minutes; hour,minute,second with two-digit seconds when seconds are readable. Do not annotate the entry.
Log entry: 6,28
